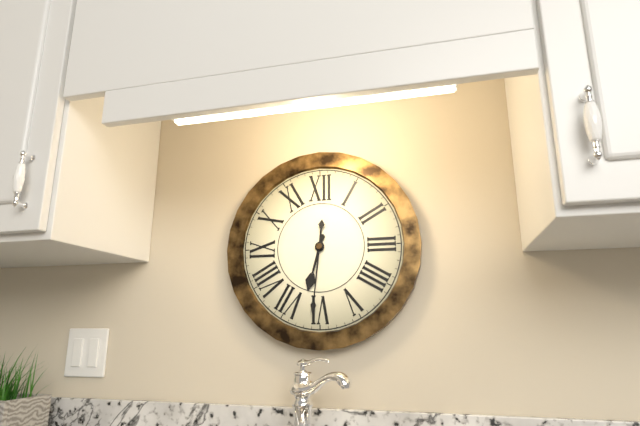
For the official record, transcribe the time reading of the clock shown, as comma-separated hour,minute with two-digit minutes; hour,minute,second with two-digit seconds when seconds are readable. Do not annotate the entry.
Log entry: 6,31
